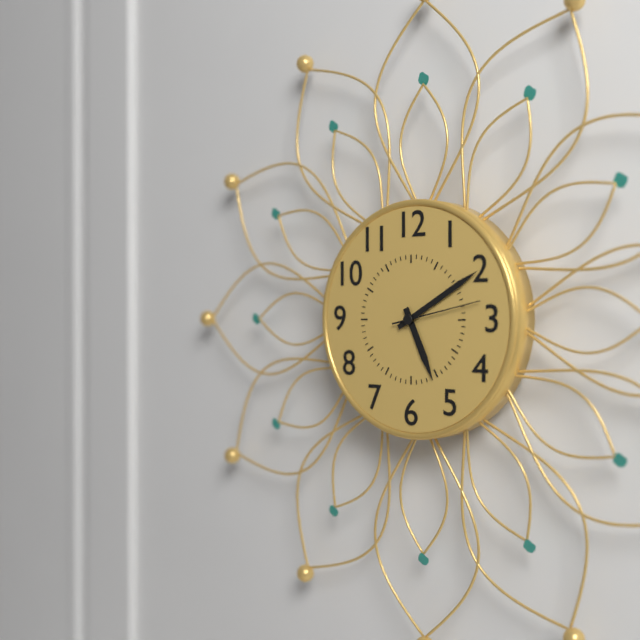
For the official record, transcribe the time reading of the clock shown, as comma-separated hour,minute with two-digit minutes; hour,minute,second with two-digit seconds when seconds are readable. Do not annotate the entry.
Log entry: 5,10,13
